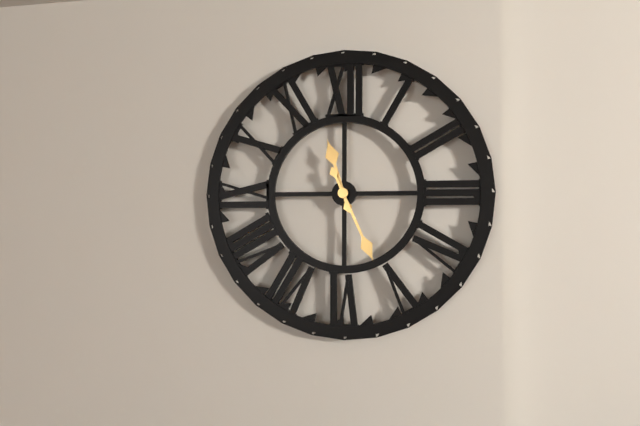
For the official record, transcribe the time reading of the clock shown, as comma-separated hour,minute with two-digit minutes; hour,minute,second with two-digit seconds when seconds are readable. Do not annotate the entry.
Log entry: 11,26
